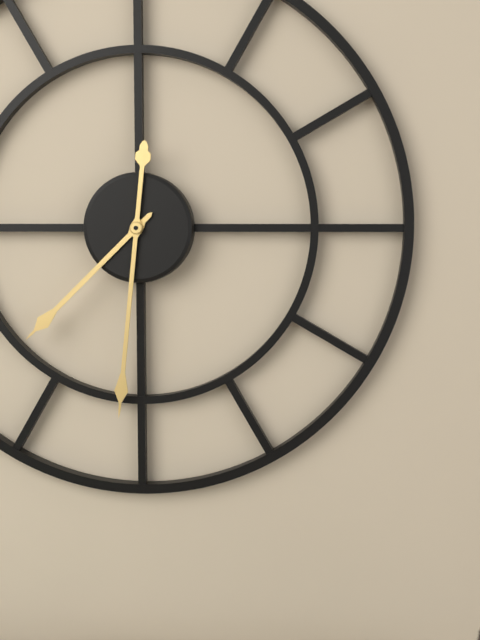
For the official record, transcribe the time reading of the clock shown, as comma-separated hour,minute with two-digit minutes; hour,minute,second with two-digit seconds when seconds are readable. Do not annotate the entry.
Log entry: 7,31
